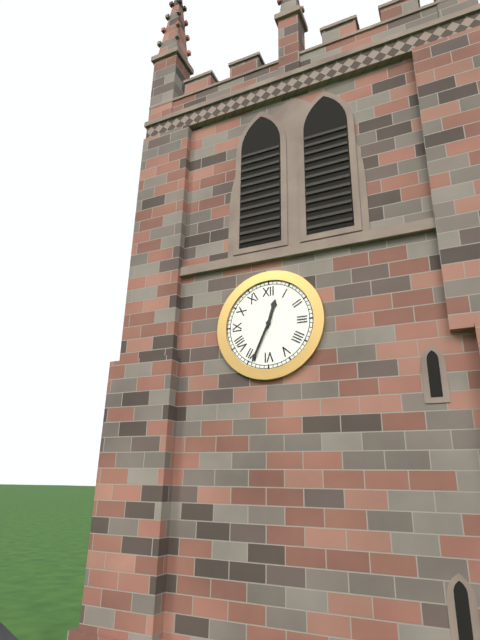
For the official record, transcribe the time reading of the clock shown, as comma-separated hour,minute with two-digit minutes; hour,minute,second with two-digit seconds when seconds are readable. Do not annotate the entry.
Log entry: 12,34
